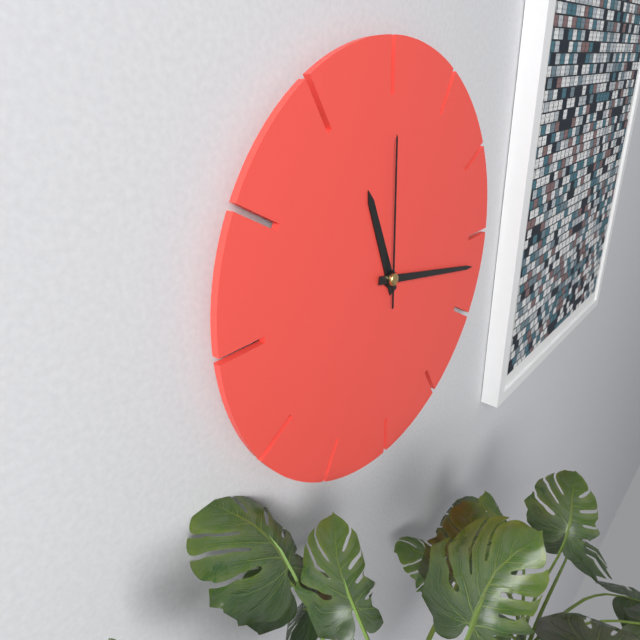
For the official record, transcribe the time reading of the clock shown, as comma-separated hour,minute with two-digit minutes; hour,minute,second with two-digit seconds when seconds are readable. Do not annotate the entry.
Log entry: 11,17,00
